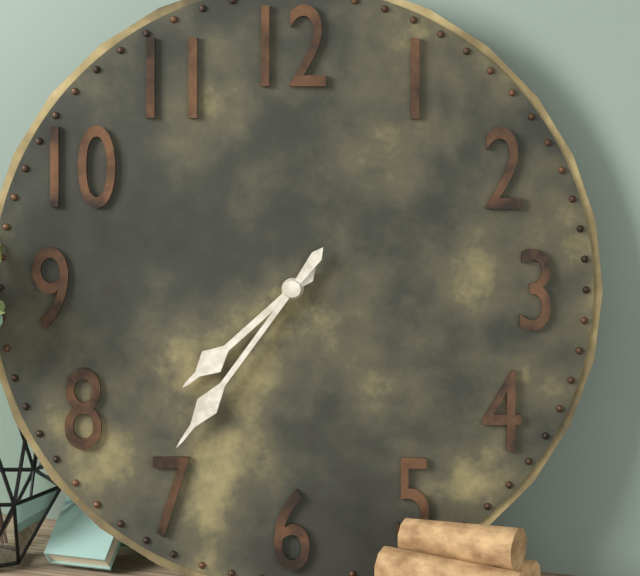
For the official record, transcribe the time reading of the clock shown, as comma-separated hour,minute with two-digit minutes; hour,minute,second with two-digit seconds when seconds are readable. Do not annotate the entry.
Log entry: 7,36
